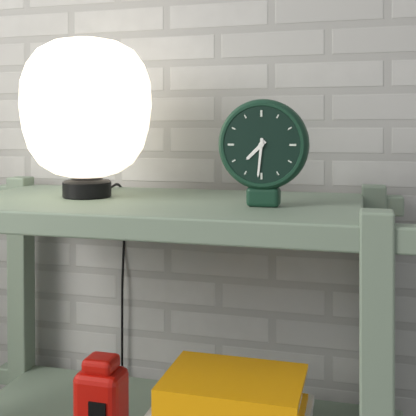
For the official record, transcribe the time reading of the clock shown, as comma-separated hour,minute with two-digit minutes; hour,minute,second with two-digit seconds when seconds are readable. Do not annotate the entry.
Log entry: 7,31
